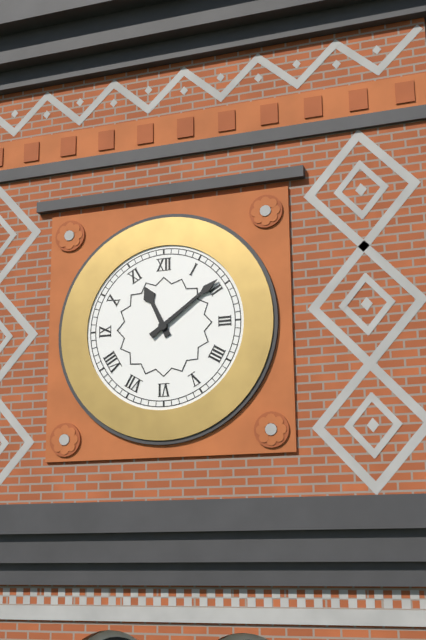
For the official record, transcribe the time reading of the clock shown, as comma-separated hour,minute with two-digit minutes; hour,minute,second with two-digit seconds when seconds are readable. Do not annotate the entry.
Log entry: 11,09
